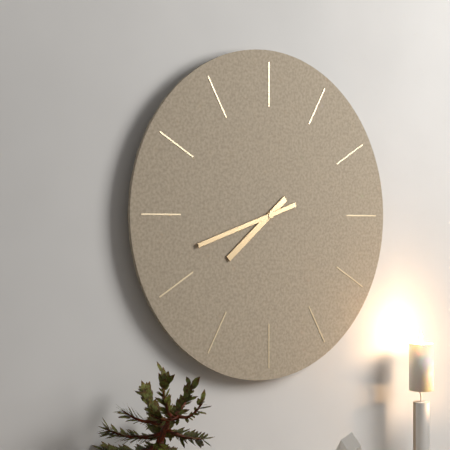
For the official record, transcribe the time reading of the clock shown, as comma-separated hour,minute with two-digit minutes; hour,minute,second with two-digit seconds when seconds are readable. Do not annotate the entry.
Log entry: 7,42
